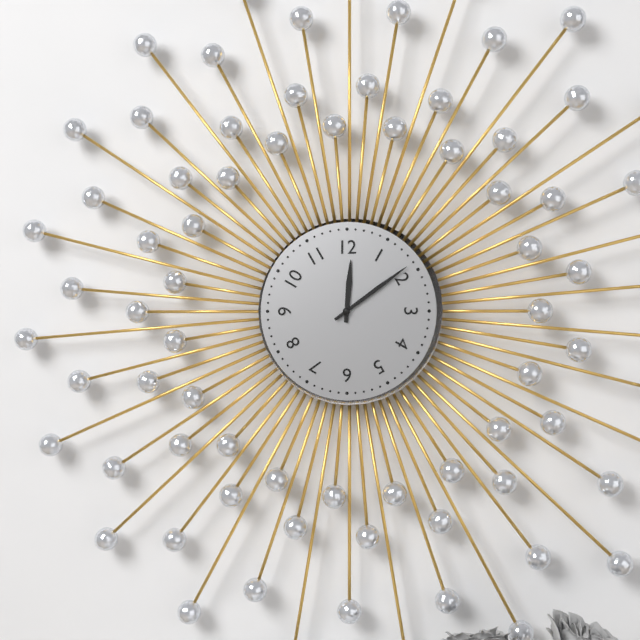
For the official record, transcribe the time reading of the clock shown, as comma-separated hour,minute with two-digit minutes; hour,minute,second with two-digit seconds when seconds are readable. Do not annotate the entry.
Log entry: 12,09
